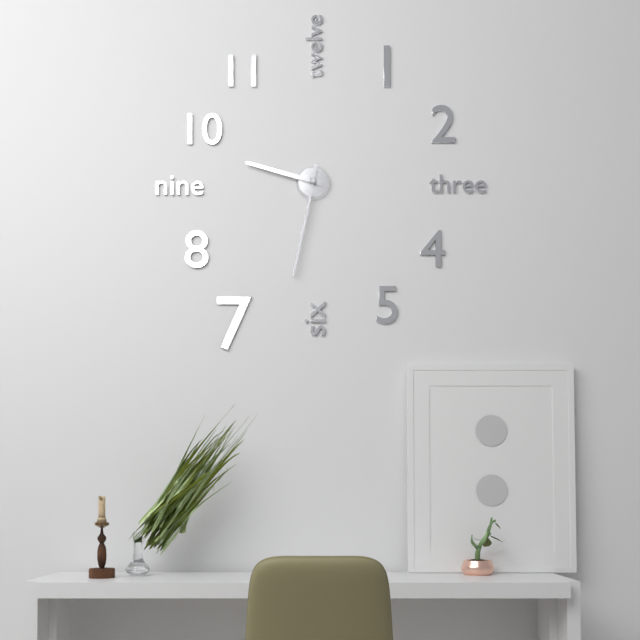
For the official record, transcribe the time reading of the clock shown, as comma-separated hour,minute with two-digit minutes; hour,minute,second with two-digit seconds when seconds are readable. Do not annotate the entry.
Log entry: 9,32
